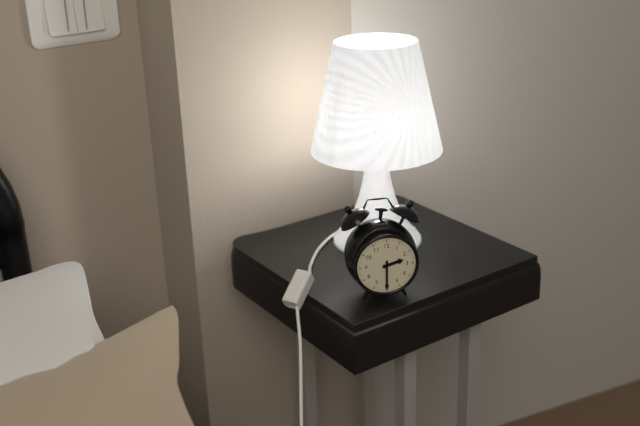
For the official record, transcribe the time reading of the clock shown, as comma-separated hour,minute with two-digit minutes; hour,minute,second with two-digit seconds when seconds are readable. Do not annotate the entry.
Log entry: 2,30
